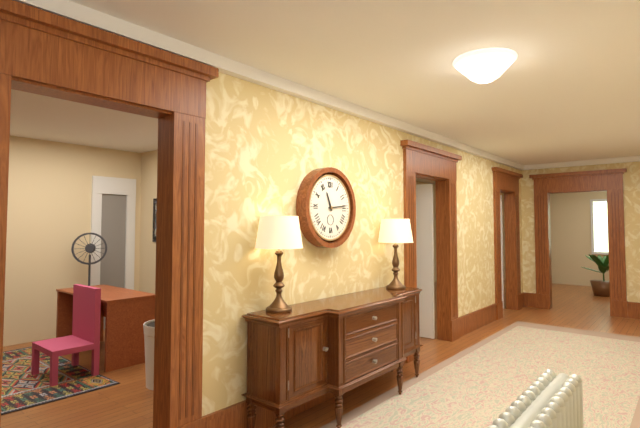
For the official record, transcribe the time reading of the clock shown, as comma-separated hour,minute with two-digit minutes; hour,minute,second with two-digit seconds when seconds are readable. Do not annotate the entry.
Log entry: 11,14
